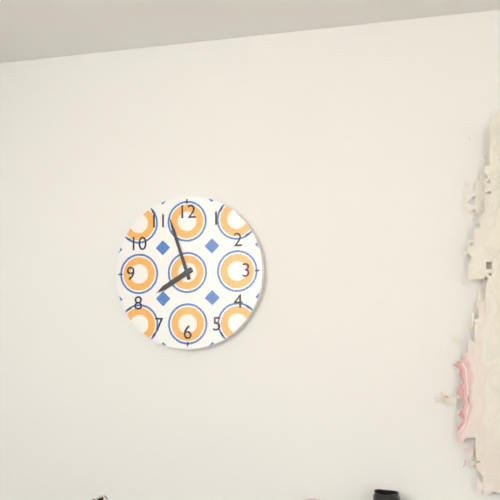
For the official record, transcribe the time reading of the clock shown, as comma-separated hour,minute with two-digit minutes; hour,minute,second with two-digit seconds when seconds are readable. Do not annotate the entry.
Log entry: 7,57
